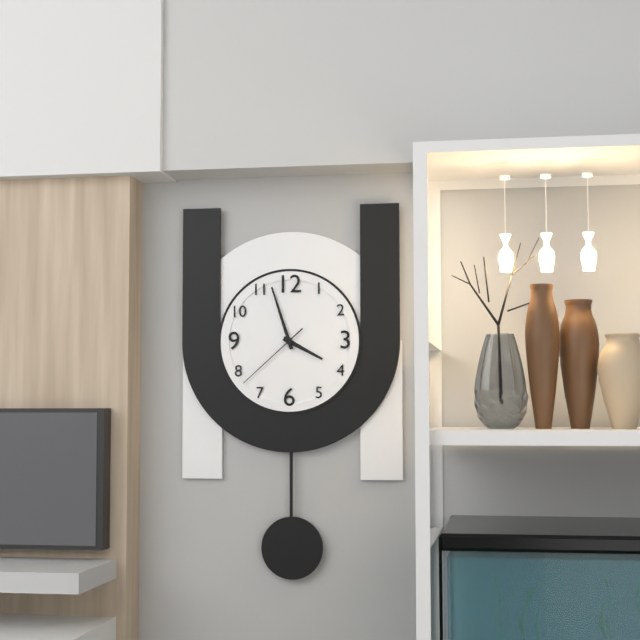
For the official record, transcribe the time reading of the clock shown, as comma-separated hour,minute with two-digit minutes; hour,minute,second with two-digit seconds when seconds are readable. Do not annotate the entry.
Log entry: 3,57,38
